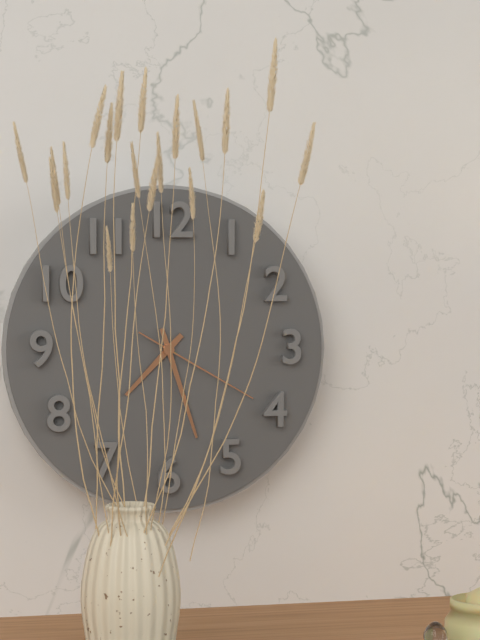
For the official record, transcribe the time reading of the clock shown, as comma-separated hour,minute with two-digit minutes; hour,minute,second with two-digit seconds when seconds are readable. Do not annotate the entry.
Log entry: 7,27,20
